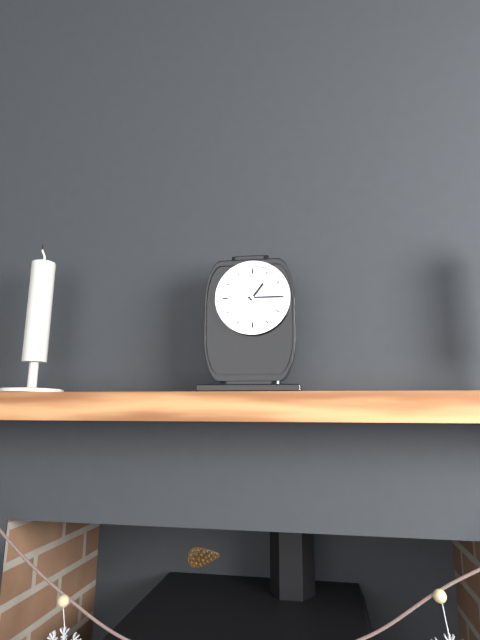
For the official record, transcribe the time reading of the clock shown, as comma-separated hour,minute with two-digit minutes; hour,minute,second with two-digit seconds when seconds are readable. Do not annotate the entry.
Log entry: 1,15
